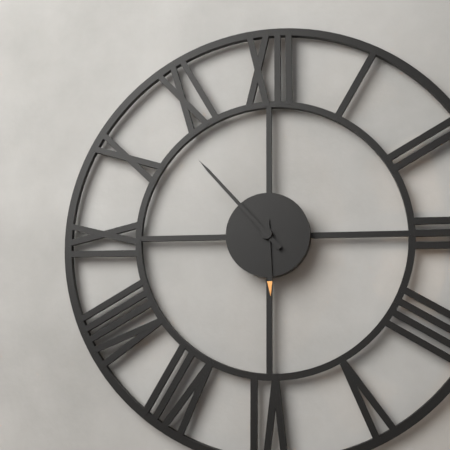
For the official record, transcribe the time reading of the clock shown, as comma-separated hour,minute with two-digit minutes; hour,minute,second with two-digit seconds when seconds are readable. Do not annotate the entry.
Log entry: 5,53
